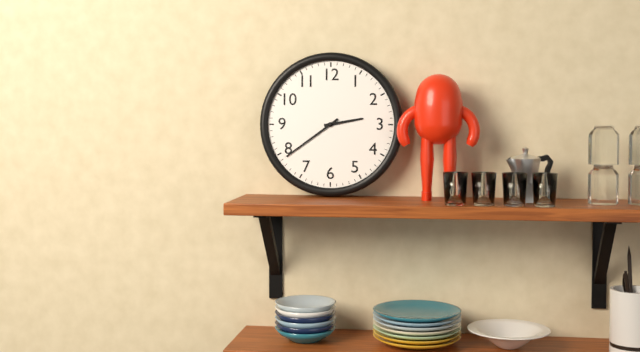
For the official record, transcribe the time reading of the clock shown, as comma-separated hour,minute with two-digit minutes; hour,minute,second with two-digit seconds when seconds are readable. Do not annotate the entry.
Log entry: 2,39
